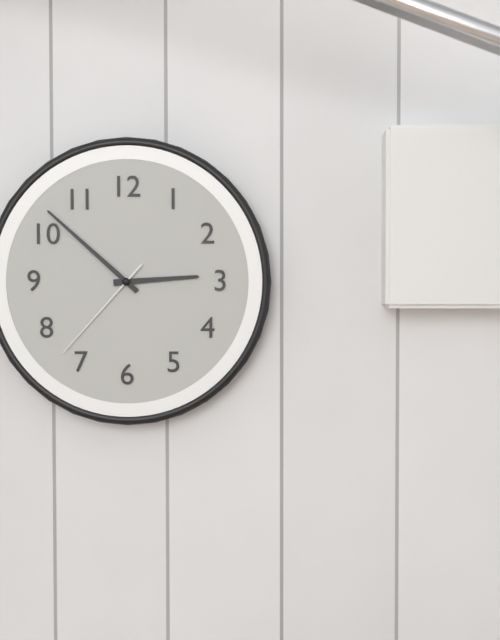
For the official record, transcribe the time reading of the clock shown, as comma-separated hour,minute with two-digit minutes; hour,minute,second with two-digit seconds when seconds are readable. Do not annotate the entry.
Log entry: 2,52,37
